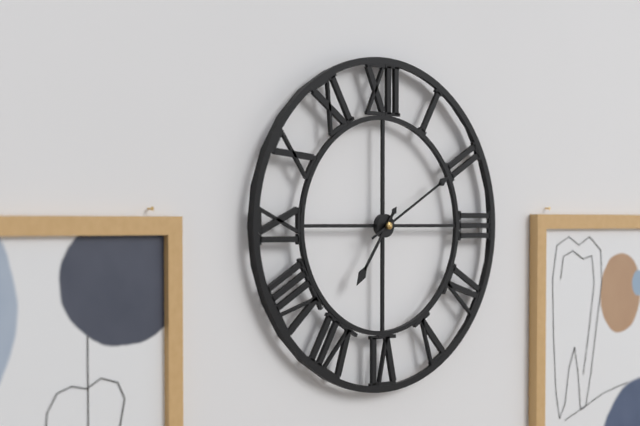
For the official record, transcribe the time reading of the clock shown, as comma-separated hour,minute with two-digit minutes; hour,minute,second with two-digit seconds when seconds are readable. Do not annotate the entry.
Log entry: 7,10
